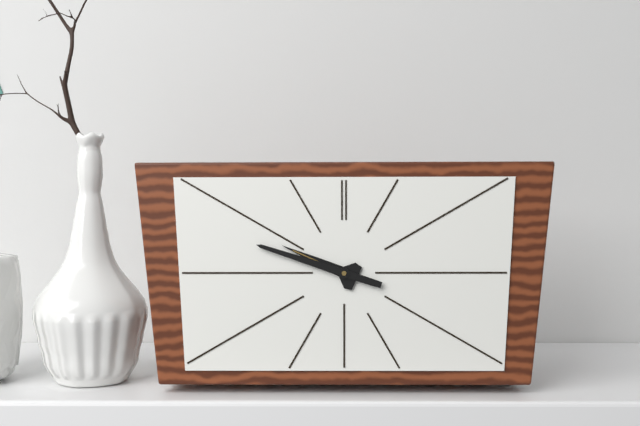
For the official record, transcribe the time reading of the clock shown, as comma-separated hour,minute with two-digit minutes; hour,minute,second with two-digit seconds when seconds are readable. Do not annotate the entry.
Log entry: 9,48
